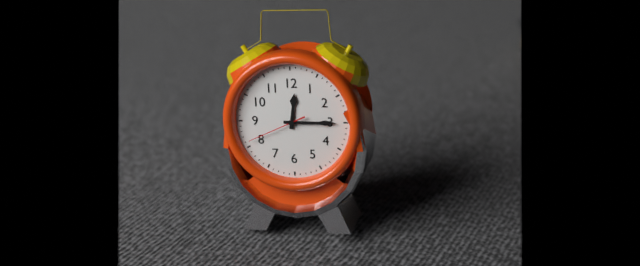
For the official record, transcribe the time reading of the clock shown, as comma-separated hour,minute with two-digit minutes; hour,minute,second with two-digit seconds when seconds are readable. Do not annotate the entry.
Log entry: 12,15,41
